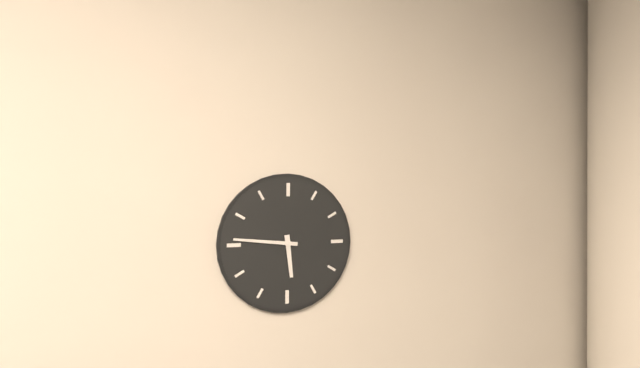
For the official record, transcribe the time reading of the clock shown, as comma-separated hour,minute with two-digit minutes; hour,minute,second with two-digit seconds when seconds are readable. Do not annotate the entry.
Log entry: 5,46
